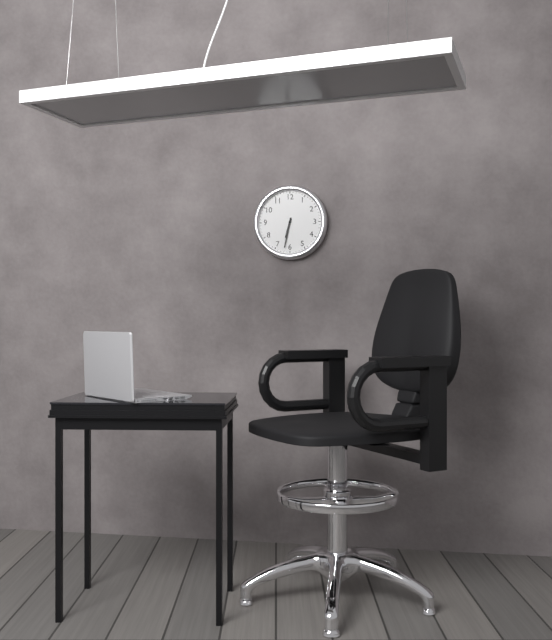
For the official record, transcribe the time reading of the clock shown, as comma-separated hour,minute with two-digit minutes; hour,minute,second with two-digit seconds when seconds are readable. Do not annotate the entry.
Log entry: 6,32
